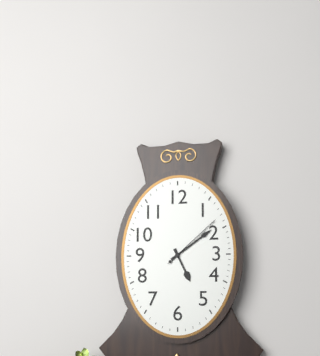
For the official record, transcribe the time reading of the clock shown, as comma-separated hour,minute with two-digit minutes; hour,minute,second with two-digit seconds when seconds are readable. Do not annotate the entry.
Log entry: 5,09,08
